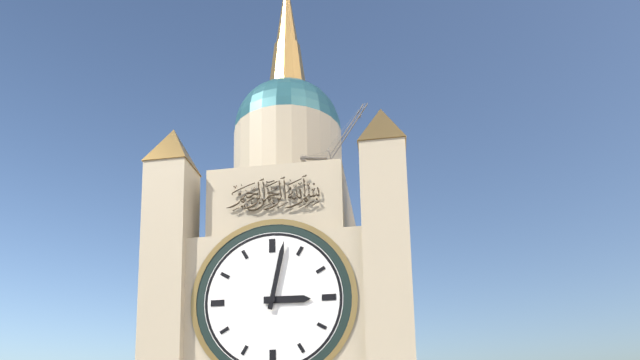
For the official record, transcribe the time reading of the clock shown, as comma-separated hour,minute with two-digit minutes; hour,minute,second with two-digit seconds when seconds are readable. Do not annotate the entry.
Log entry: 3,02
